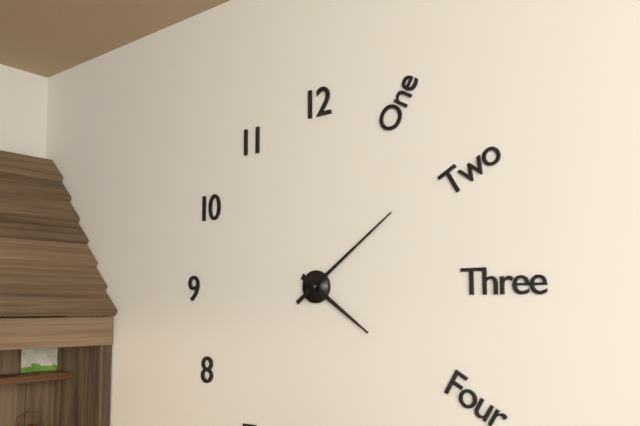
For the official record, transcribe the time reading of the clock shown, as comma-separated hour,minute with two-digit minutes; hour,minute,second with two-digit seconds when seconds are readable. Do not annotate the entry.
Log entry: 4,09
